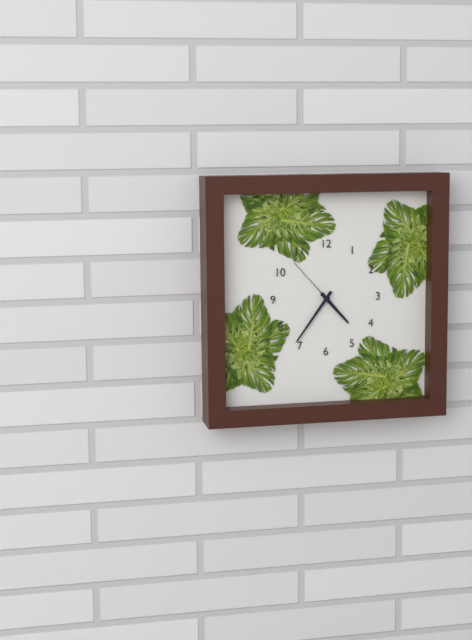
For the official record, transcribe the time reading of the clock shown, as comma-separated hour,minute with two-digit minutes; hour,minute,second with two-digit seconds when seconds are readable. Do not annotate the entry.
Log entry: 4,36,53
